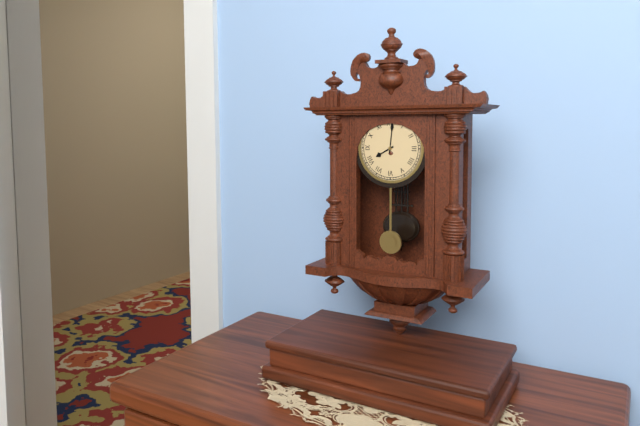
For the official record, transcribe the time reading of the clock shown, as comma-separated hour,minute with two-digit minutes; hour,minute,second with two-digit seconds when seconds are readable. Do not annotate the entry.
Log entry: 8,01
